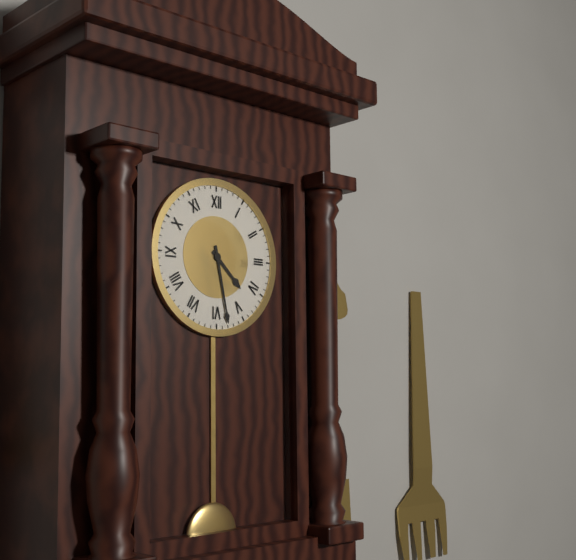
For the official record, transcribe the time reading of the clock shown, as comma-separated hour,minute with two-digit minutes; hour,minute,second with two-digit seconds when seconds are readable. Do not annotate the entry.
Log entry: 4,28
